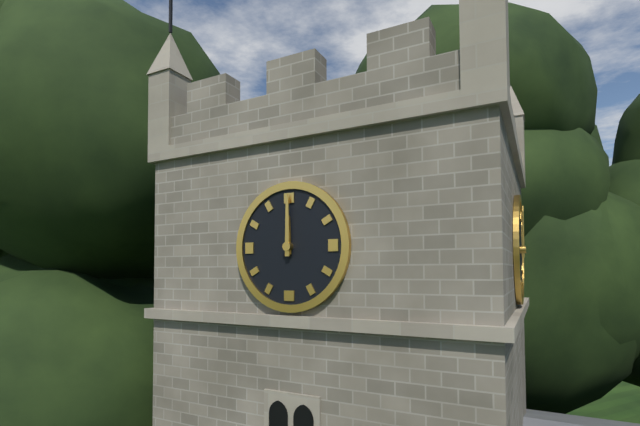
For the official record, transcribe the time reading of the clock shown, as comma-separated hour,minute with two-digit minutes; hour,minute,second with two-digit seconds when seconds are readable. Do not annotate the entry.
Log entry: 12,00
